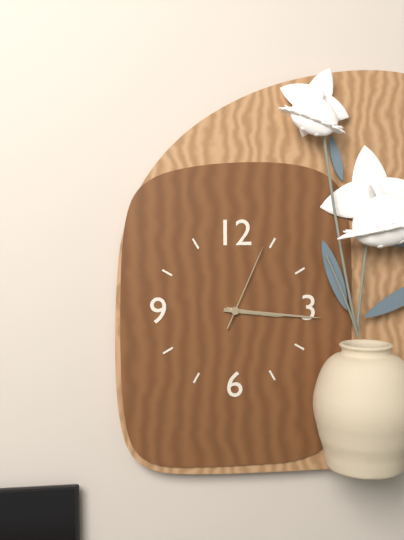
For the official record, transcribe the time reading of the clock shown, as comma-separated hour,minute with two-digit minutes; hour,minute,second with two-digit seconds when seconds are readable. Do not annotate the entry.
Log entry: 3,16,04
